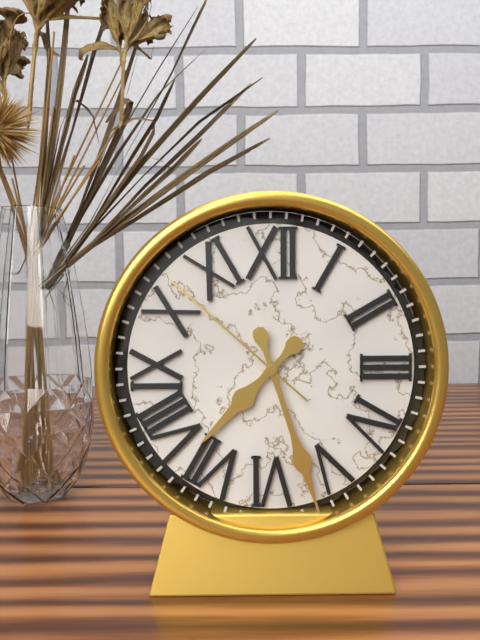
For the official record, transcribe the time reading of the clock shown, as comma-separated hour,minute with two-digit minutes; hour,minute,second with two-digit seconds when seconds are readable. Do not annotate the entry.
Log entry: 7,27,52
